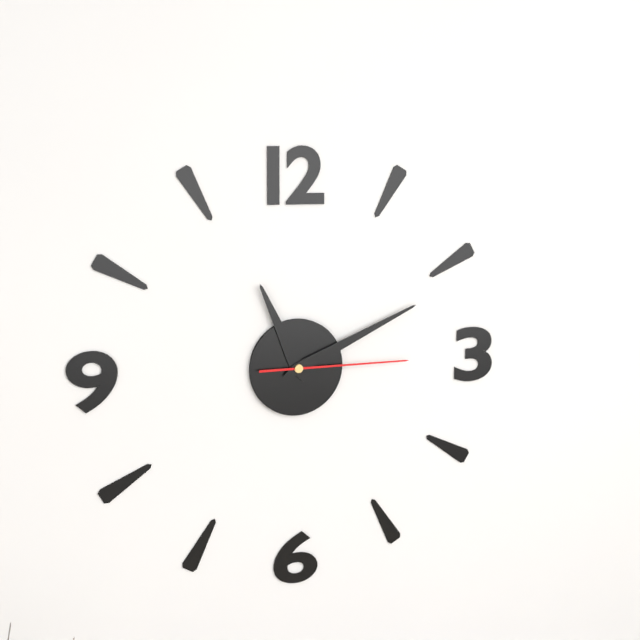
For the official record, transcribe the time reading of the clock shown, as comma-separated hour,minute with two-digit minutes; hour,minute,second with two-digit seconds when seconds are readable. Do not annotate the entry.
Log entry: 11,11,15
